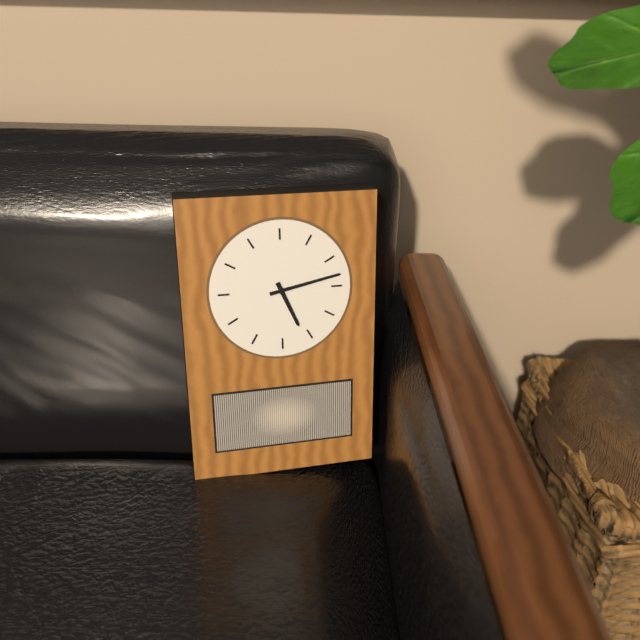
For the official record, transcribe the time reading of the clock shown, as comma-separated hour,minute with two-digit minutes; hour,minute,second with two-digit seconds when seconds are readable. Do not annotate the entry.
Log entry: 5,13
